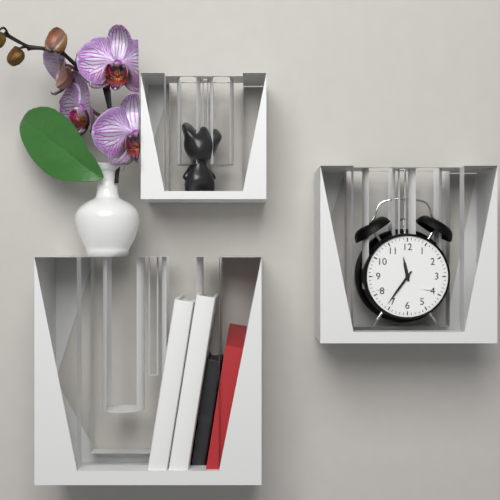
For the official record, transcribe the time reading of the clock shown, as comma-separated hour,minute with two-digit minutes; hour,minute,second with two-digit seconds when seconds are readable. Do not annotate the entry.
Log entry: 11,36
